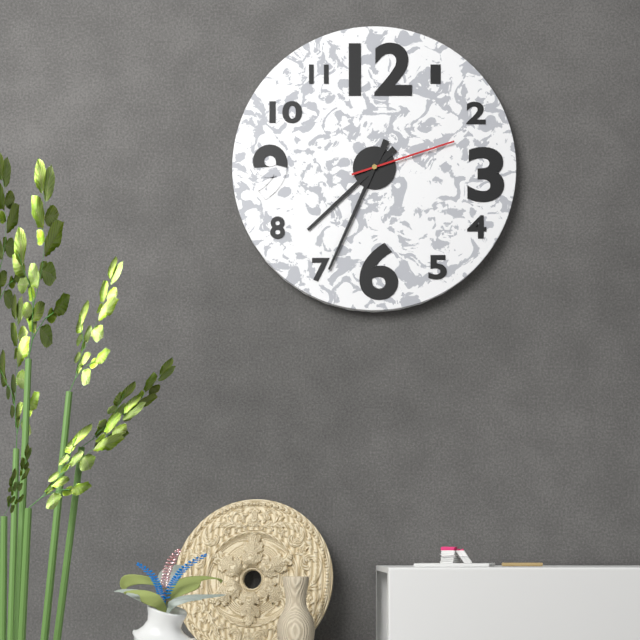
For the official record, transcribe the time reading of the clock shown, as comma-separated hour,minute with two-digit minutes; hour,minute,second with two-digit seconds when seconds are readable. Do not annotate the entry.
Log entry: 7,34,12
